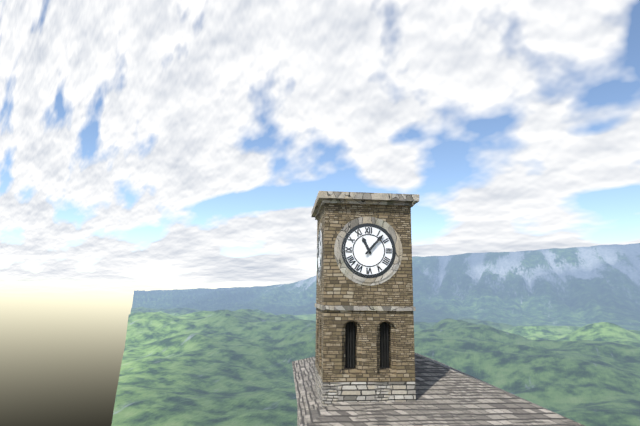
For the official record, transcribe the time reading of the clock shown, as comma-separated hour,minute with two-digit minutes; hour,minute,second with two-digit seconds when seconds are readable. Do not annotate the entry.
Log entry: 11,07
